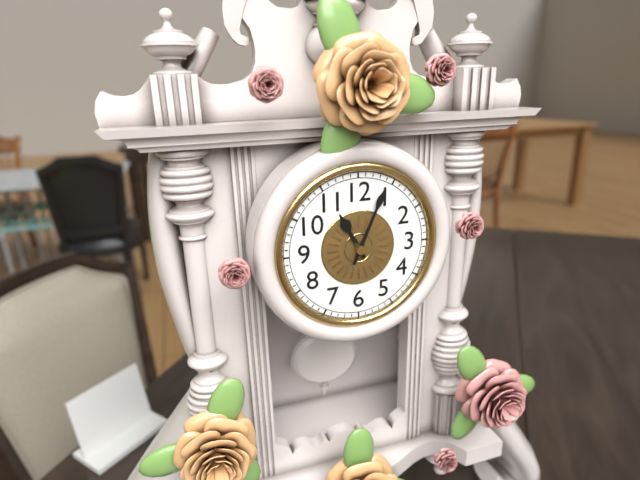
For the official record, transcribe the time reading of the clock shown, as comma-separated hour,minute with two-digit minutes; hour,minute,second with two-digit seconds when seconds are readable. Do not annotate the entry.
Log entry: 11,04
